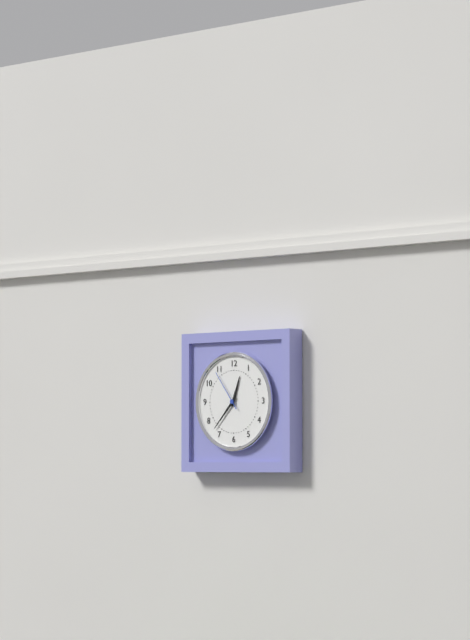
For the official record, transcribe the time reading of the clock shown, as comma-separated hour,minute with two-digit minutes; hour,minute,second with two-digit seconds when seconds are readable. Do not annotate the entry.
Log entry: 12,37
